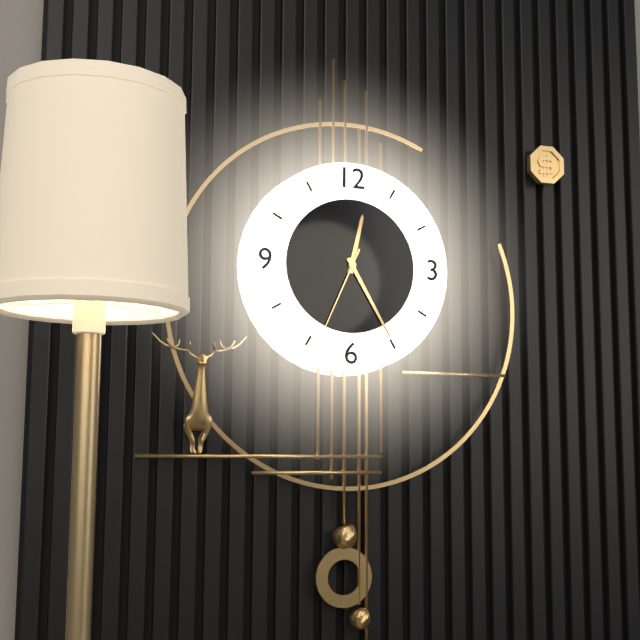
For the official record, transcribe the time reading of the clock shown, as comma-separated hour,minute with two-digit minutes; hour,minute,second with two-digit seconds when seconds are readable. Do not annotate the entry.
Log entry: 12,25,34
